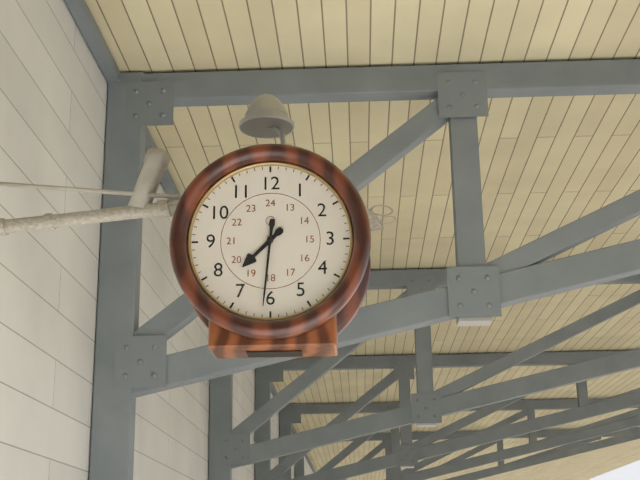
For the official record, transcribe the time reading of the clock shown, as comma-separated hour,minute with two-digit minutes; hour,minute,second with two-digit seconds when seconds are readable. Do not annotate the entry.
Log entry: 7,31
